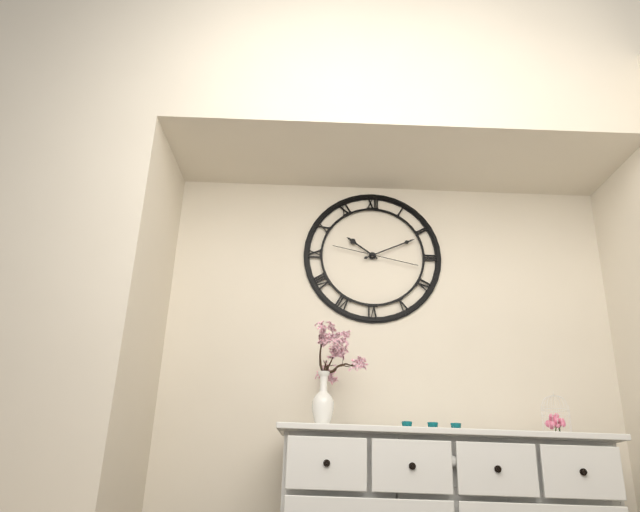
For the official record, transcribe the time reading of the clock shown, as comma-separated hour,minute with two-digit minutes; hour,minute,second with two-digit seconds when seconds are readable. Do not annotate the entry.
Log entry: 10,11,17
